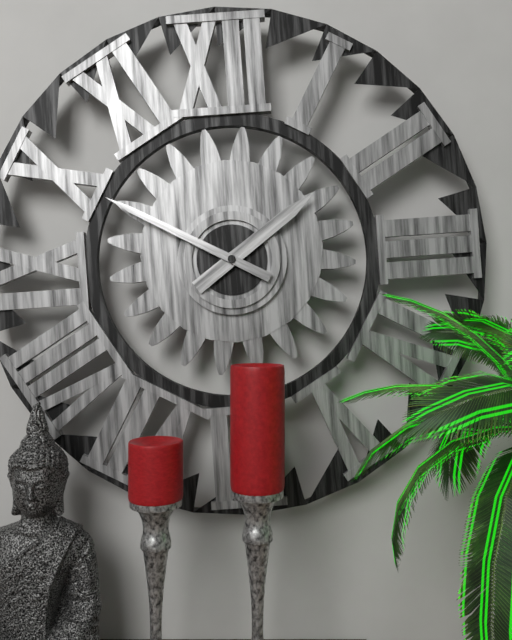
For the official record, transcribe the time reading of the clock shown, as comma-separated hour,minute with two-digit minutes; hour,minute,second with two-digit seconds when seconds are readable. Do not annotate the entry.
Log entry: 1,50
